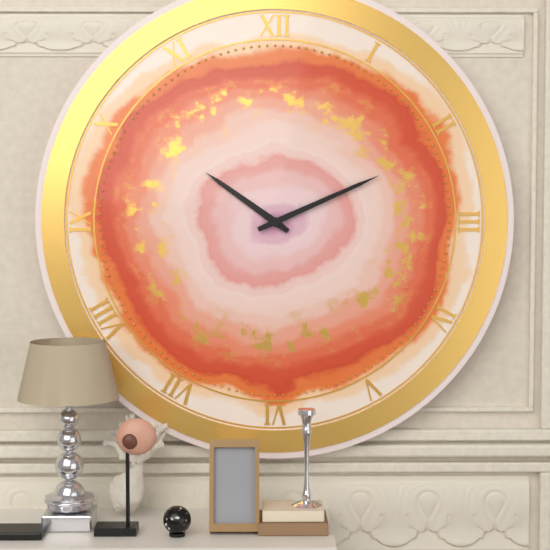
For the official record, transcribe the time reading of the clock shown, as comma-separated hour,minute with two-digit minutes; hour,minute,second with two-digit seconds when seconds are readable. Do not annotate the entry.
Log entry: 10,11
